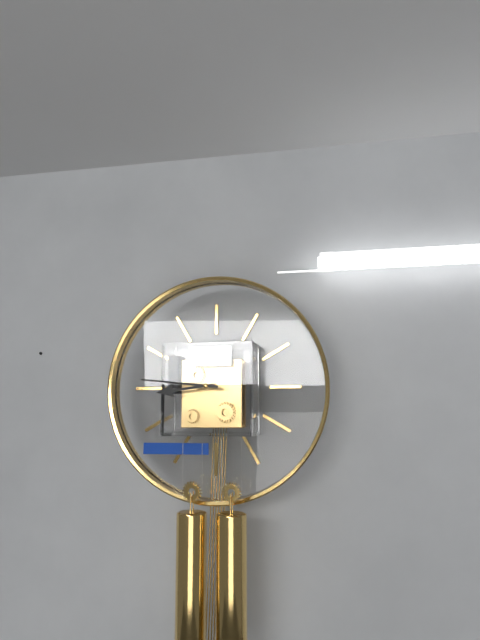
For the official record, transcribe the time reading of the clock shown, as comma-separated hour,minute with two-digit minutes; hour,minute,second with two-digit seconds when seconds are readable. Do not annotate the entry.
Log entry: 8,46
